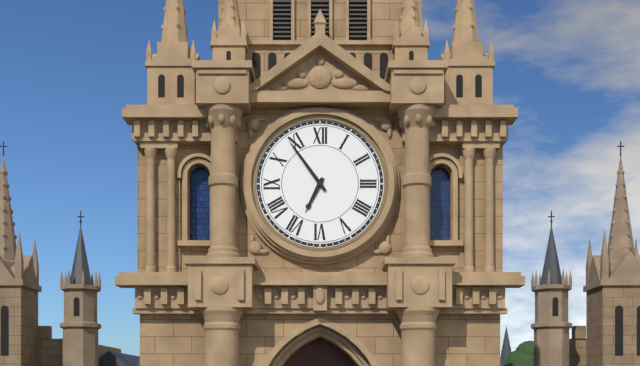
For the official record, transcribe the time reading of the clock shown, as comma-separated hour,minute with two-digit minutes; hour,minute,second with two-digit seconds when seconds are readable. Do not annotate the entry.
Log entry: 6,54
